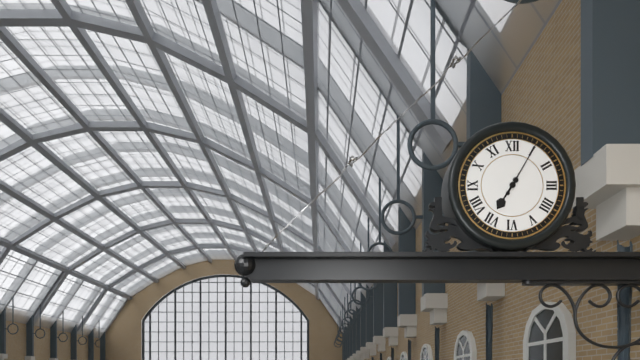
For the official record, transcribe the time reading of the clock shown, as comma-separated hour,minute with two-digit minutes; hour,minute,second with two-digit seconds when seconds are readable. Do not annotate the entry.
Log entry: 7,05
